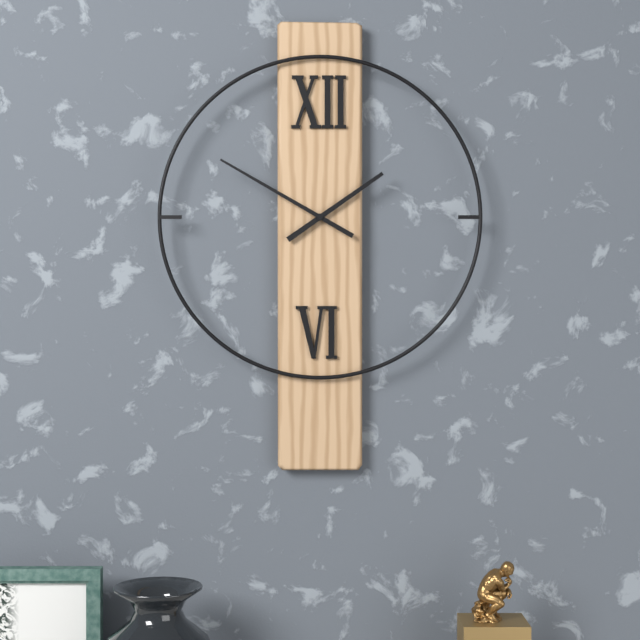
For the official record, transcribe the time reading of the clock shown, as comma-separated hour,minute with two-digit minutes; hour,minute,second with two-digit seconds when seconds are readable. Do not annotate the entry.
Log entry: 1,50
